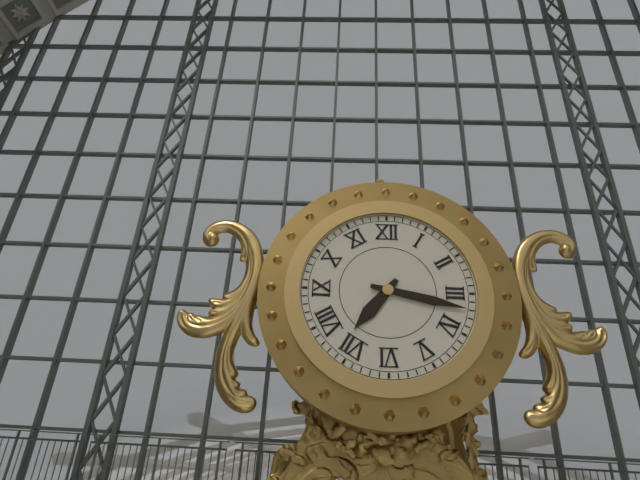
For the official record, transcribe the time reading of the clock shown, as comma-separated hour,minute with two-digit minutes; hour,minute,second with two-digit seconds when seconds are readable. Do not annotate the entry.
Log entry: 7,17
